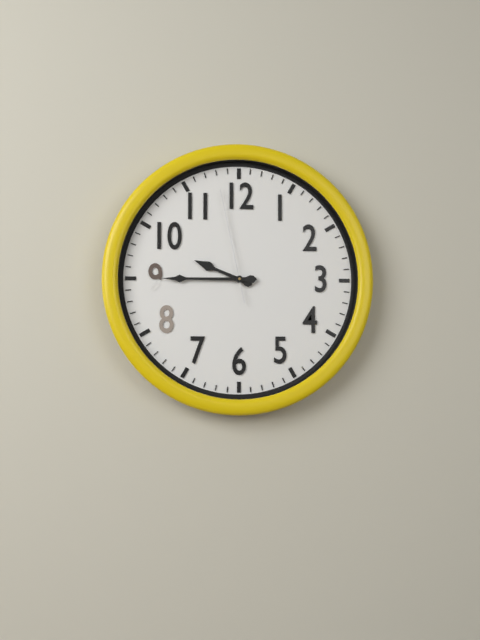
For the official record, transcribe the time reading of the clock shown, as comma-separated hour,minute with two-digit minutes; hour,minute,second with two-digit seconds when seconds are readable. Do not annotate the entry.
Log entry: 9,45,58
